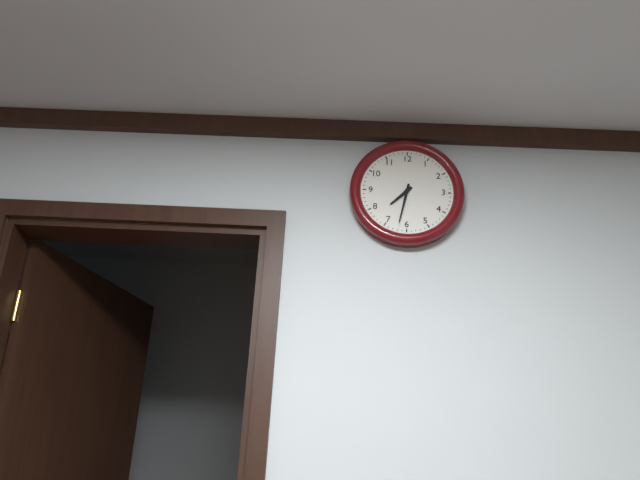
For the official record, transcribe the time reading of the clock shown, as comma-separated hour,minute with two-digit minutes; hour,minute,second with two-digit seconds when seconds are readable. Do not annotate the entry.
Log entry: 7,32
